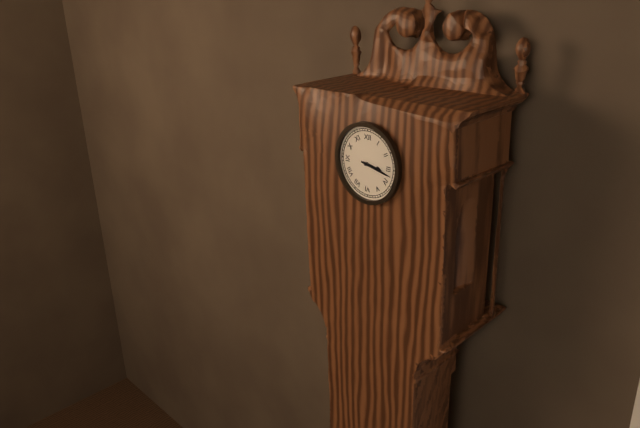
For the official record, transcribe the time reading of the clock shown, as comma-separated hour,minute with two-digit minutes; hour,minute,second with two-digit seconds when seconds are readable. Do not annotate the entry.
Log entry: 3,17
